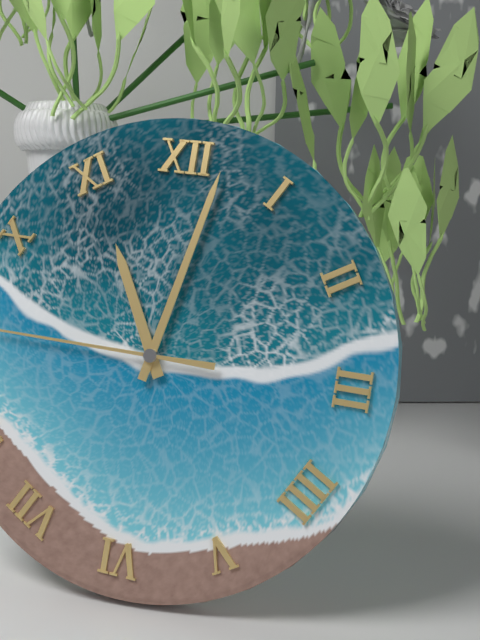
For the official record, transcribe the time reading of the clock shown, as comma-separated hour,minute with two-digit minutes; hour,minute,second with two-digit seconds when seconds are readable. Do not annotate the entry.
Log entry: 11,02
